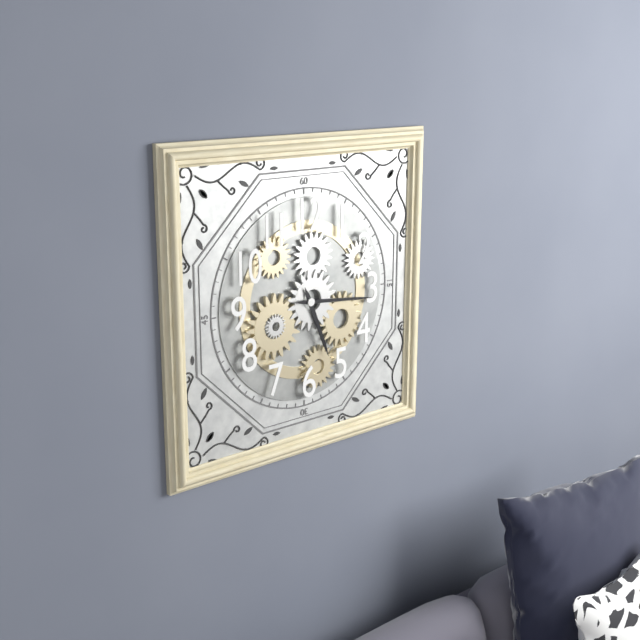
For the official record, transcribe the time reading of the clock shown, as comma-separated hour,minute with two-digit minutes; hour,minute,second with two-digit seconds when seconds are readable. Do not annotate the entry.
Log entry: 5,16
